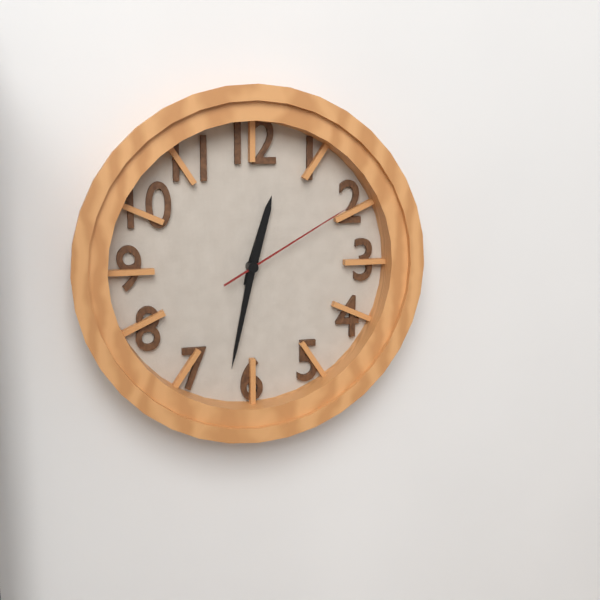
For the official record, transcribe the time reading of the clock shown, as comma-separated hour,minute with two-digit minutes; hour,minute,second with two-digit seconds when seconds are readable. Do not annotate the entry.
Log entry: 12,32,10
